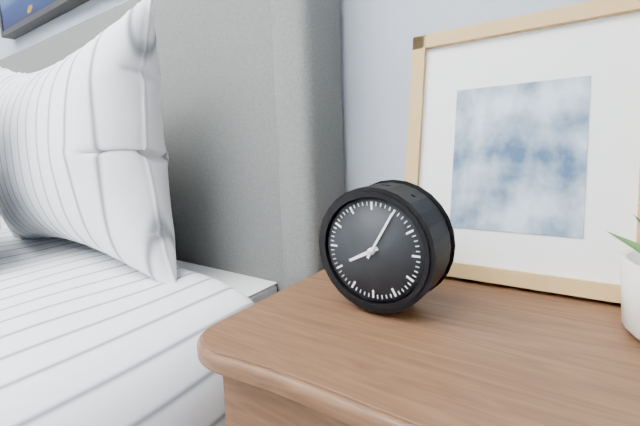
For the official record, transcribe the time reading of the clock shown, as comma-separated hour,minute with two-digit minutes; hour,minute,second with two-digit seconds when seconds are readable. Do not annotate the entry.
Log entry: 8,05
